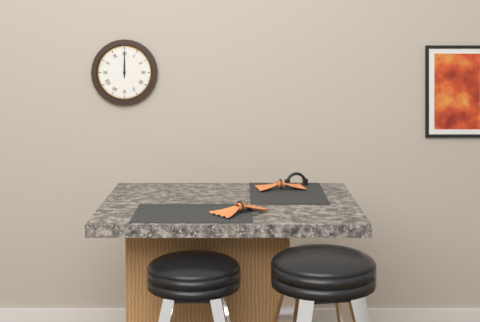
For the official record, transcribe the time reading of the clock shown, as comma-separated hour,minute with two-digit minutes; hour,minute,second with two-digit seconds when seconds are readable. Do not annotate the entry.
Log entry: 12,00
